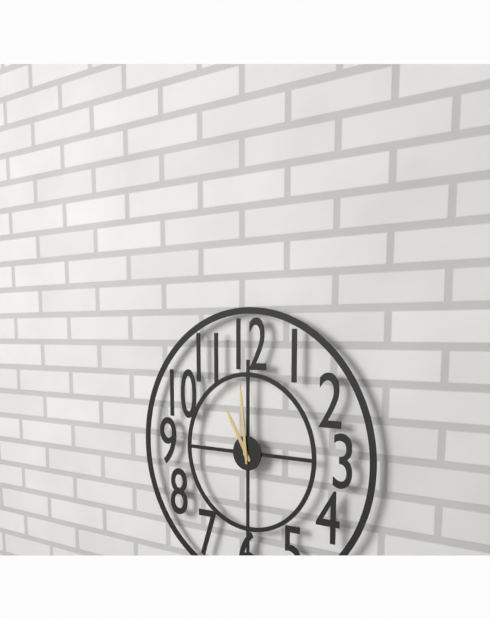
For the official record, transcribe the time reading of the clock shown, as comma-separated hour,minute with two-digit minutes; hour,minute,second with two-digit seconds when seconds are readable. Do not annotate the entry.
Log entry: 10,59
